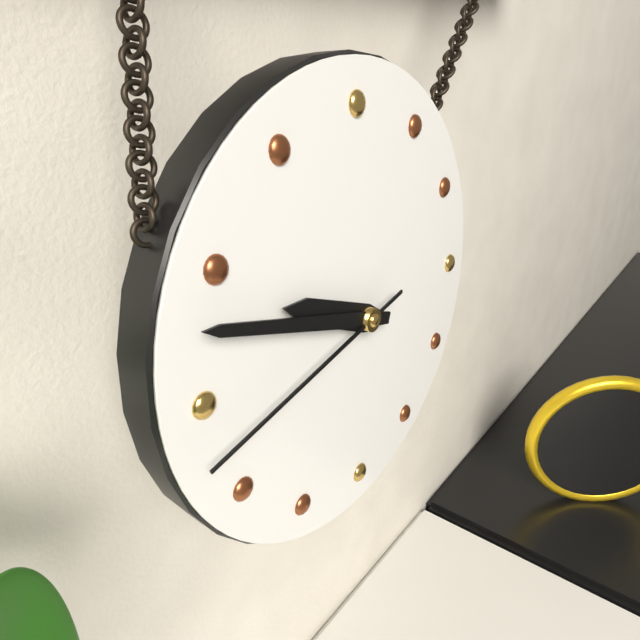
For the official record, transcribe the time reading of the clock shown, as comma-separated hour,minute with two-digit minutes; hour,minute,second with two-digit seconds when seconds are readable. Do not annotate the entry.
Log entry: 9,48,43
